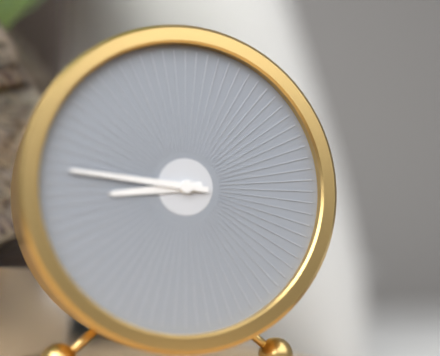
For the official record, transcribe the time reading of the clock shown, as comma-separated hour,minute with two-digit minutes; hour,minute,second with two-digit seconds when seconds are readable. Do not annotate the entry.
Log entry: 8,46
